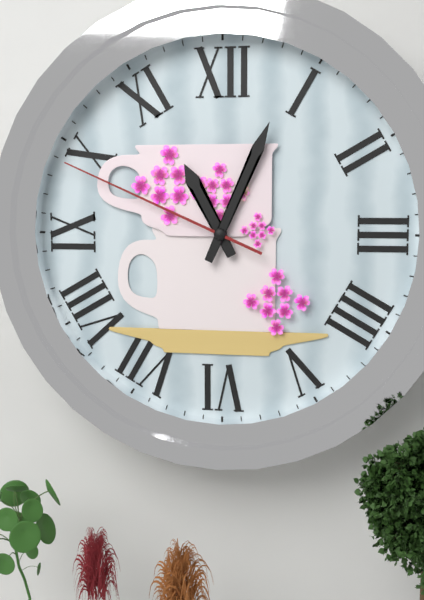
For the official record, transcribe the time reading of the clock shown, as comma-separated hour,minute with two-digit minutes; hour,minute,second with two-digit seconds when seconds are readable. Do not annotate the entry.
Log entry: 11,04,49
